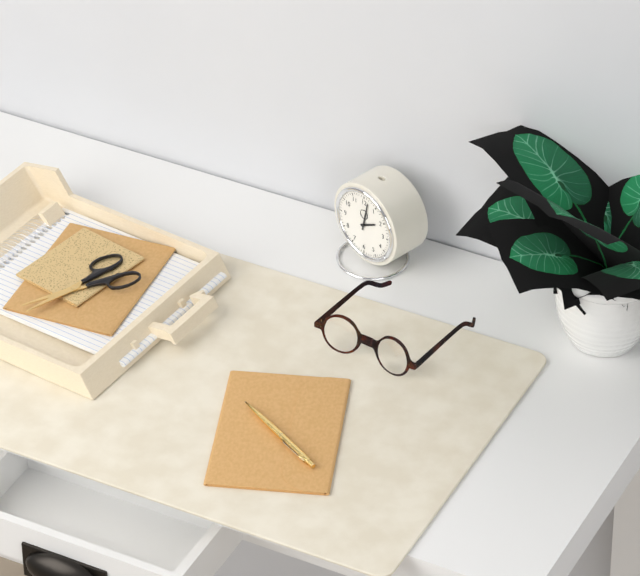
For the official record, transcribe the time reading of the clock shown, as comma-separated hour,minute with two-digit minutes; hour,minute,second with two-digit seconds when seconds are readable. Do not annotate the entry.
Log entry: 2,02
